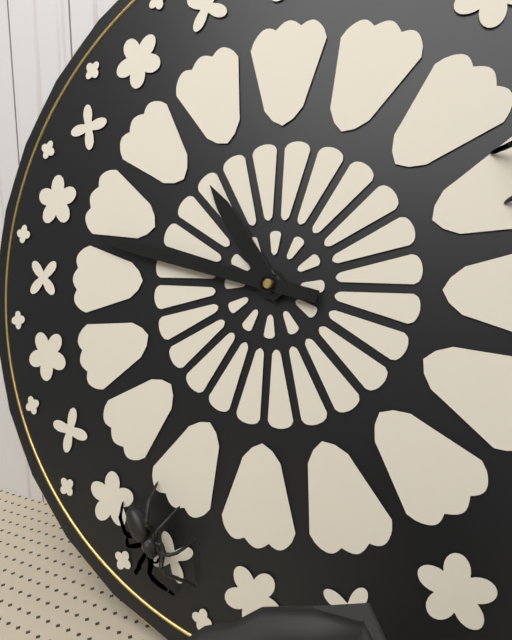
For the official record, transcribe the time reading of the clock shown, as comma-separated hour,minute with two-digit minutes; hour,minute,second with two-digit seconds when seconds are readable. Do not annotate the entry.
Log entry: 10,47
